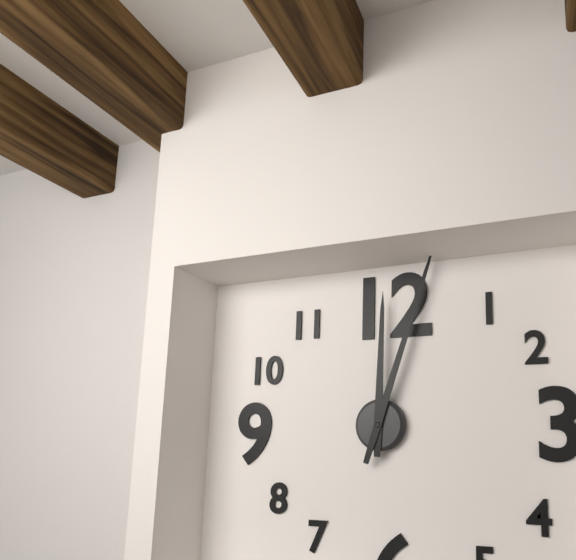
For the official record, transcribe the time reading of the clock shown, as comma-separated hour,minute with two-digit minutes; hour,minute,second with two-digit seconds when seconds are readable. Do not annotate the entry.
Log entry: 12,03
